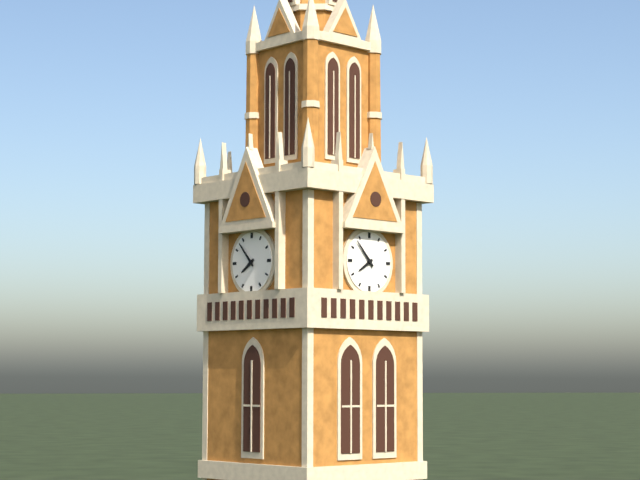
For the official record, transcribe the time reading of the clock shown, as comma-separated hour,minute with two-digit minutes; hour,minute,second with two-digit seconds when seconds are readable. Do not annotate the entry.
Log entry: 7,53
